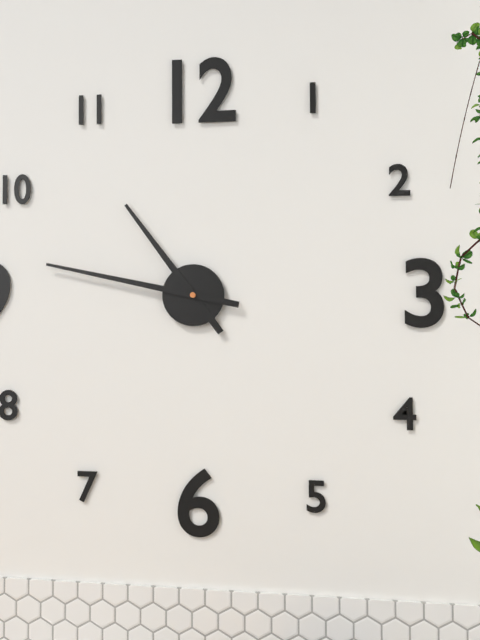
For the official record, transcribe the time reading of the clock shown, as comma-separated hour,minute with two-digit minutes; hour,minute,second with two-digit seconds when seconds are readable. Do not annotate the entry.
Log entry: 10,47
